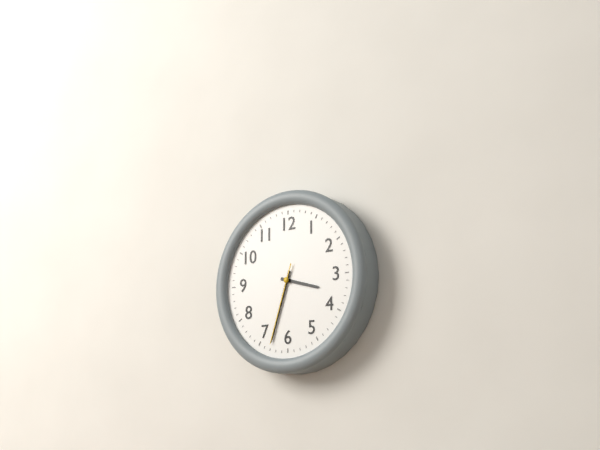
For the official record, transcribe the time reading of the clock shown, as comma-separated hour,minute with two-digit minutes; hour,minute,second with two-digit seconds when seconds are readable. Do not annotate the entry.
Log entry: 3,33,33
